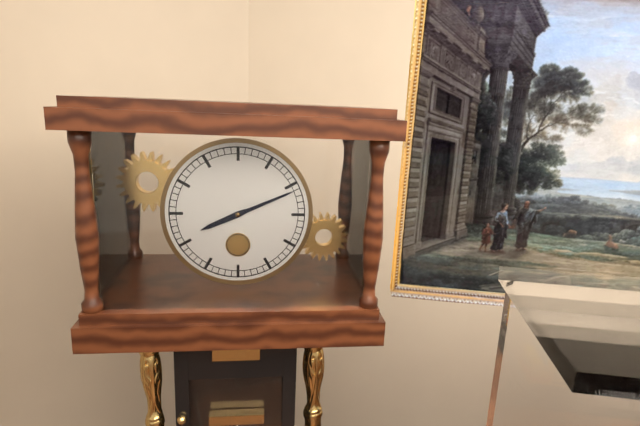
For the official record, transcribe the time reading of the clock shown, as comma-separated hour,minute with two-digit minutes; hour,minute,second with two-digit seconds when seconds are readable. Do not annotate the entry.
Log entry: 8,11
